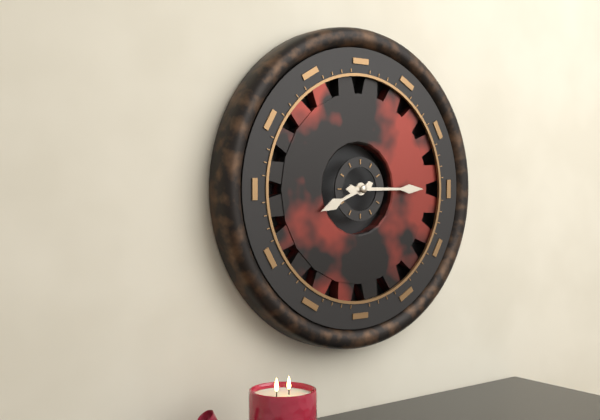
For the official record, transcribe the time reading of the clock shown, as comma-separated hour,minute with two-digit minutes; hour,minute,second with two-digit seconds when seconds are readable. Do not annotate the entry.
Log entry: 8,15
